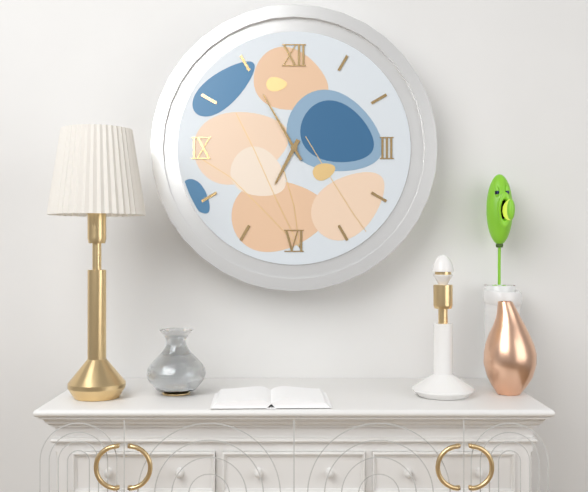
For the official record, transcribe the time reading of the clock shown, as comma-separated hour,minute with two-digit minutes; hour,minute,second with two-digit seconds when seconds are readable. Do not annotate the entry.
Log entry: 6,55
